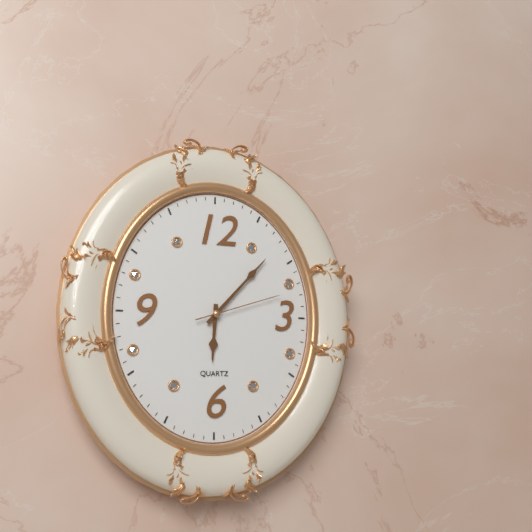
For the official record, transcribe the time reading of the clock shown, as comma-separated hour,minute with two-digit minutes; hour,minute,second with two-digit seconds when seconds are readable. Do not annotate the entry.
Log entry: 6,07,12
